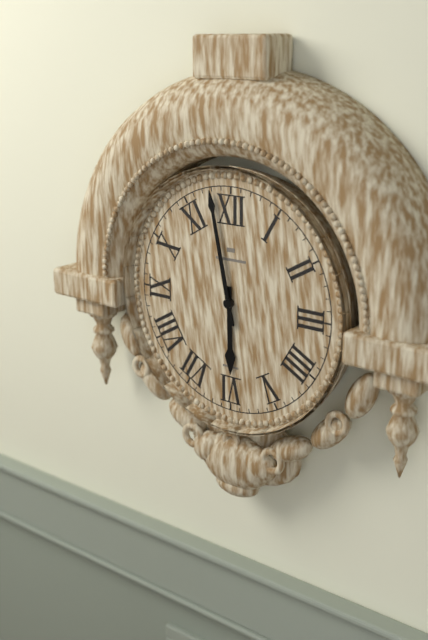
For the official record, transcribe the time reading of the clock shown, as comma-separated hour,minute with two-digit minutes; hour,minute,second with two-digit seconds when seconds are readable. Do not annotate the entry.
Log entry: 5,58
